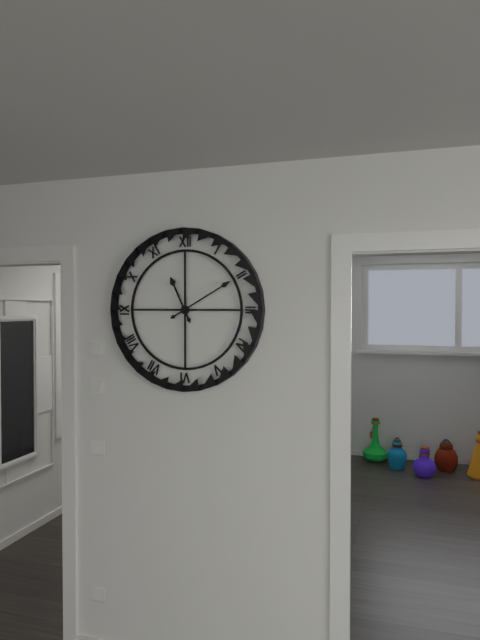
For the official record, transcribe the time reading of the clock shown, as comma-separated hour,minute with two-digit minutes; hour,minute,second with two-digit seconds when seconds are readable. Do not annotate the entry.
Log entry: 11,10
